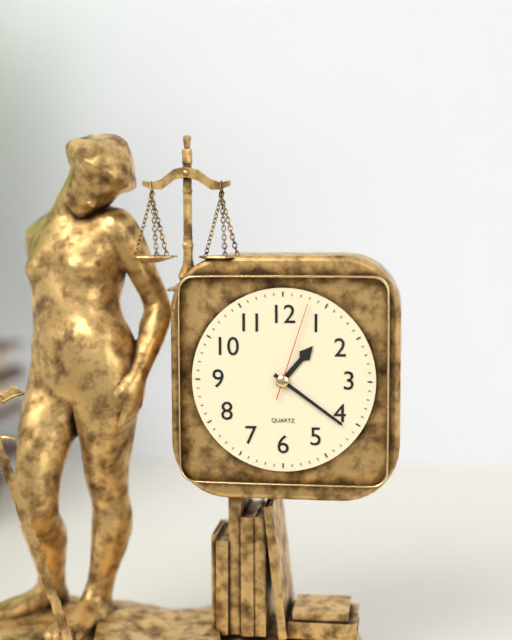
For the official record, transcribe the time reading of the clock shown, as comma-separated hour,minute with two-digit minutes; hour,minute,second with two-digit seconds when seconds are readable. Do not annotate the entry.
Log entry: 1,21,03
